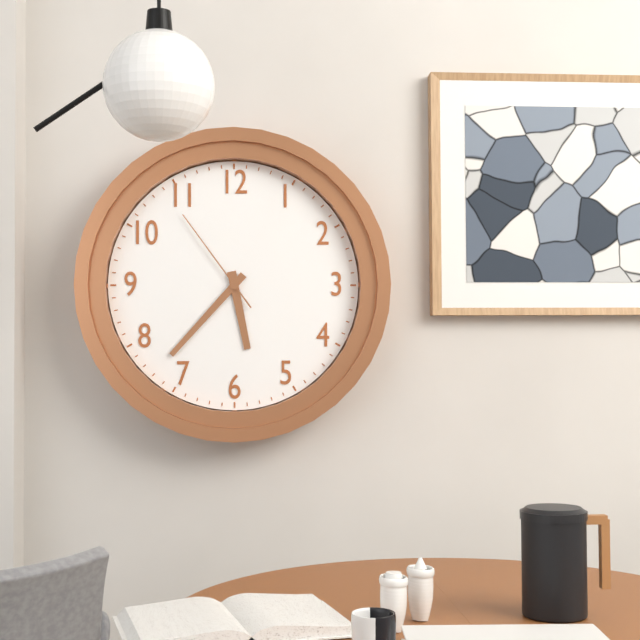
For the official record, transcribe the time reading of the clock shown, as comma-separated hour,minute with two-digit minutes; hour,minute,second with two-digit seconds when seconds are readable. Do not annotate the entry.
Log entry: 5,37,54
